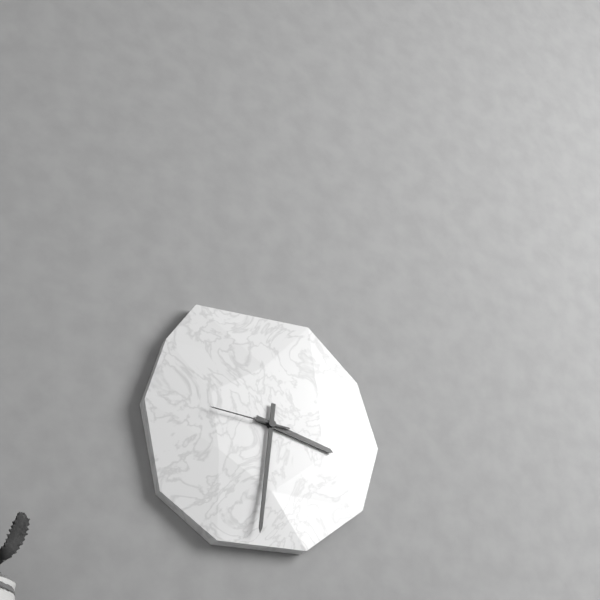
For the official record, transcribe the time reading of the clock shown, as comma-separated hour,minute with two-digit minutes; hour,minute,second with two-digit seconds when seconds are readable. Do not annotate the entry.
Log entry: 3,31,46
